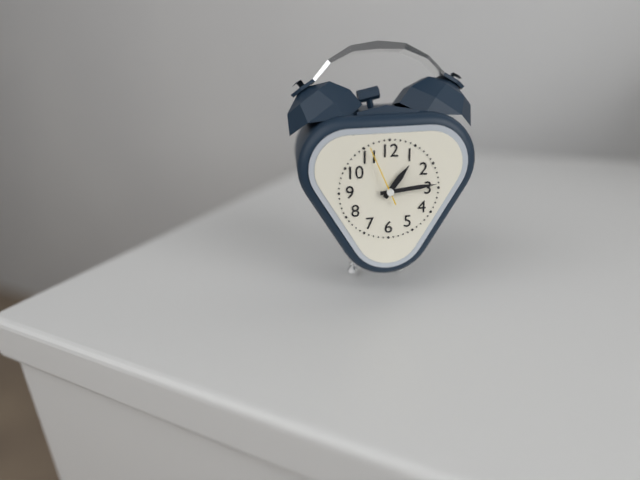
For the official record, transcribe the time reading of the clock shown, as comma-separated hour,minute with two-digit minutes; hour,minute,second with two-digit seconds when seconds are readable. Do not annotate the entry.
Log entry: 1,14,56
